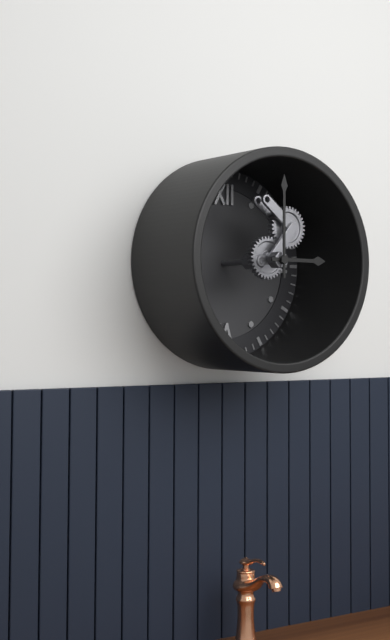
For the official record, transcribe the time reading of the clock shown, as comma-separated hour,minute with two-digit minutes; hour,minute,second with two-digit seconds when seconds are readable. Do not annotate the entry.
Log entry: 3,00
